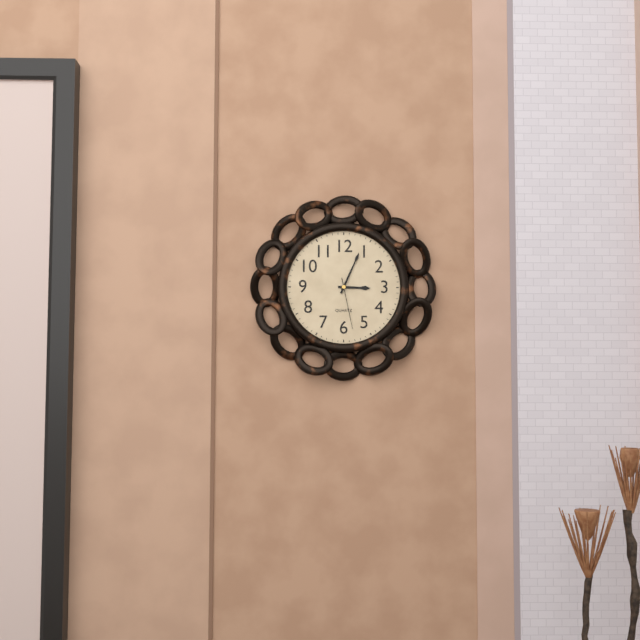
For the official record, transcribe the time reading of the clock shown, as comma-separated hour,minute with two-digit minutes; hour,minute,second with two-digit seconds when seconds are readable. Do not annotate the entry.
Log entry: 3,04,28
